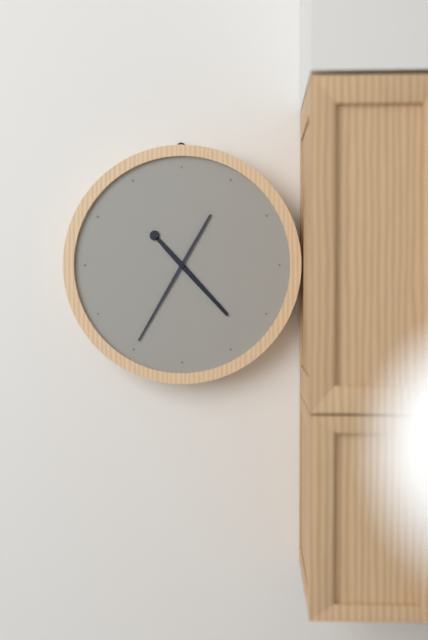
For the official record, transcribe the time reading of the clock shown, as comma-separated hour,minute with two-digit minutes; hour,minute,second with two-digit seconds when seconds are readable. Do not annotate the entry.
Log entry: 4,35
